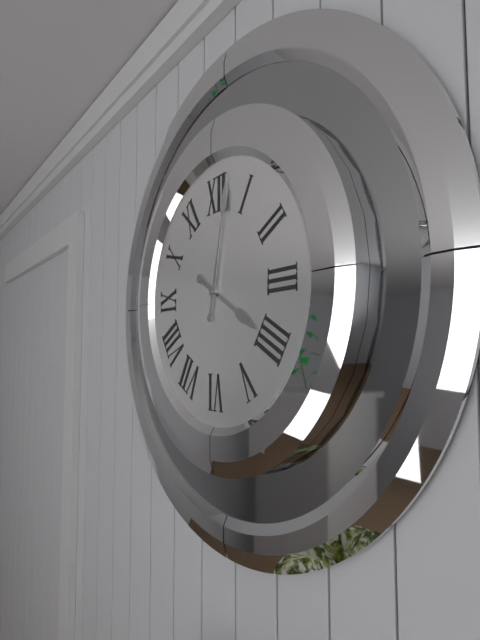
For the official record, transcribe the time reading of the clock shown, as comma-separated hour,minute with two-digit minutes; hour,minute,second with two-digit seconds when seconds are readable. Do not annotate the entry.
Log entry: 4,02
